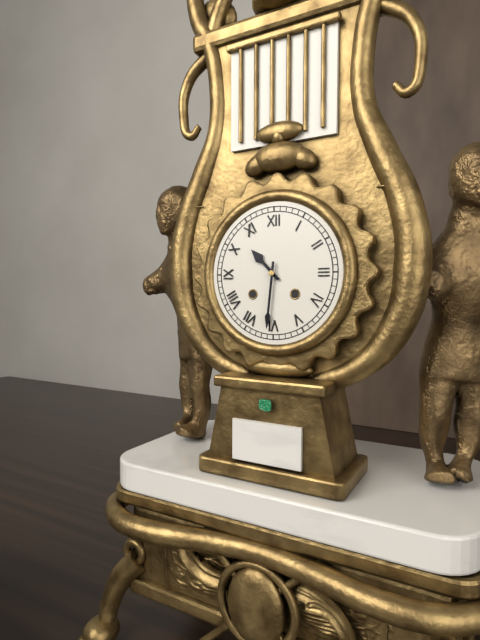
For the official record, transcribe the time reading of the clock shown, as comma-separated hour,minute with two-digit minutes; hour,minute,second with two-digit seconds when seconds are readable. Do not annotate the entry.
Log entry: 10,31
